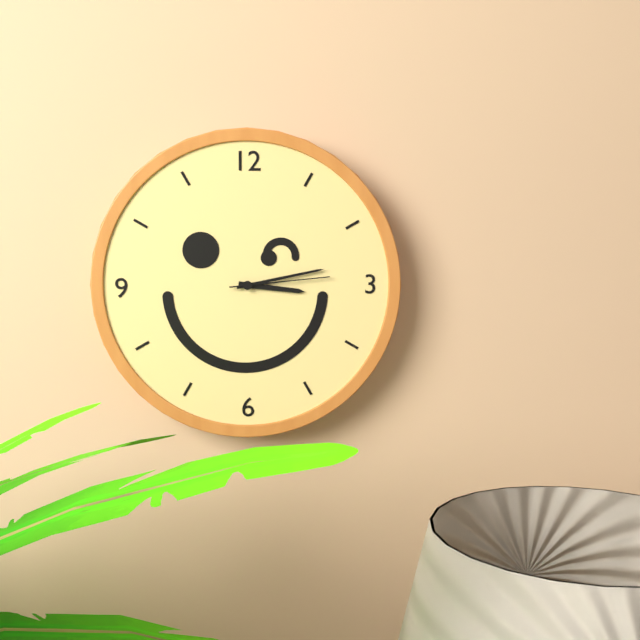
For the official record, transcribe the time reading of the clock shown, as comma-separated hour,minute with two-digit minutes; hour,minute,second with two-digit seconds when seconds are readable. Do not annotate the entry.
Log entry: 3,13,14
